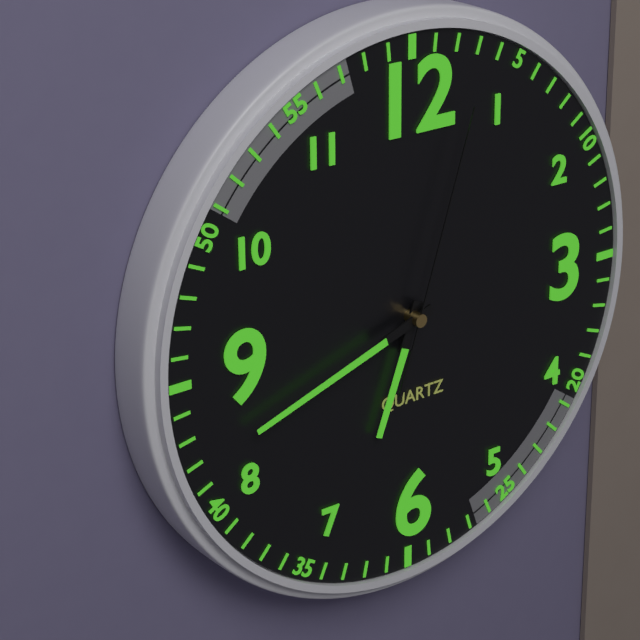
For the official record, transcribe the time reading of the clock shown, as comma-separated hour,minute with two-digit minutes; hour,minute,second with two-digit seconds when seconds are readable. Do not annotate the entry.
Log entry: 6,42,03
